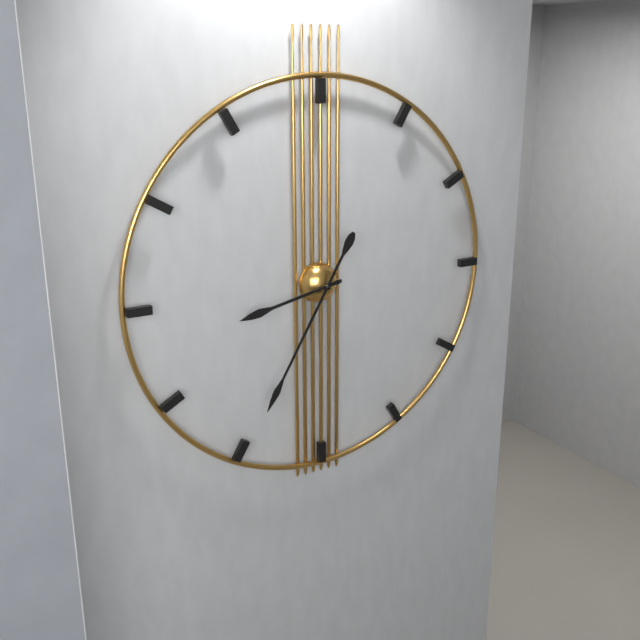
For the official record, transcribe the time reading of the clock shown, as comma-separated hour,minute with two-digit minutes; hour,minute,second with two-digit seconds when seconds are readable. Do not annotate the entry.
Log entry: 8,35
